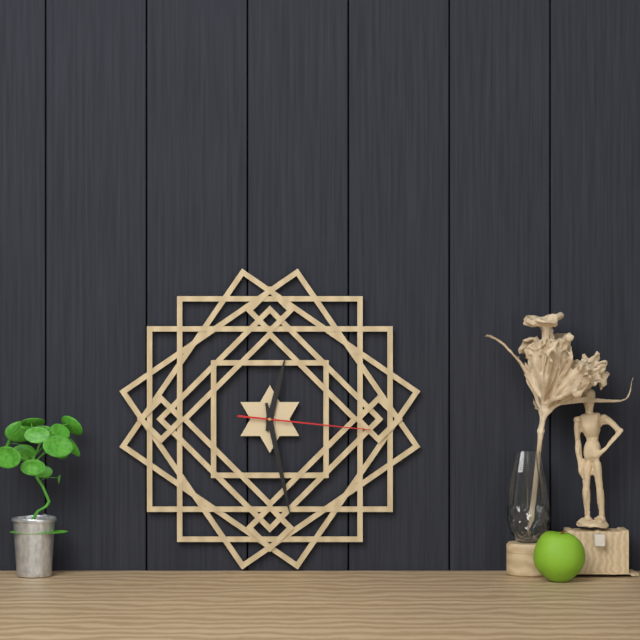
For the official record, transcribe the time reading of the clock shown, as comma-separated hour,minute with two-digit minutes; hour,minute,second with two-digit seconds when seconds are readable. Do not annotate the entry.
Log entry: 12,28,16
